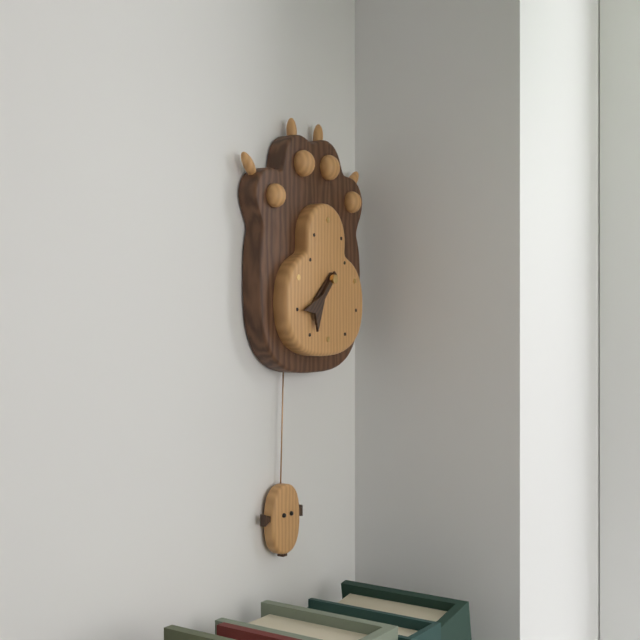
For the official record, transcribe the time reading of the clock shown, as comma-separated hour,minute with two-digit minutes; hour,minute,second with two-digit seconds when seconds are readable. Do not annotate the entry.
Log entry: 7,37
